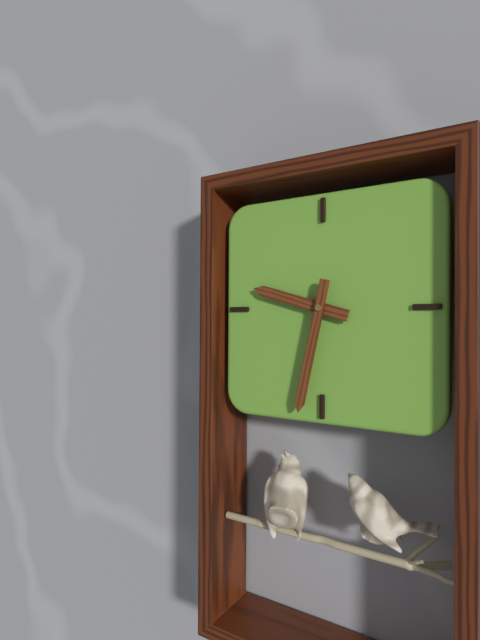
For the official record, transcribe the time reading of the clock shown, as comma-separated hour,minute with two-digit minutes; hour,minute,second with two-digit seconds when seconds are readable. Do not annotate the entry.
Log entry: 9,32
